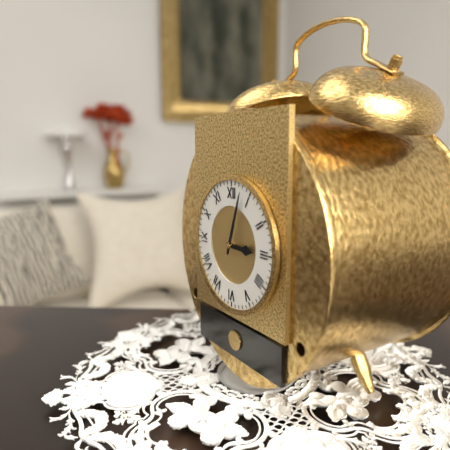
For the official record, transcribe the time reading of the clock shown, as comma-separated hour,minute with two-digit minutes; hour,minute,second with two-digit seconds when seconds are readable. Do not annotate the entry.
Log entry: 3,03
